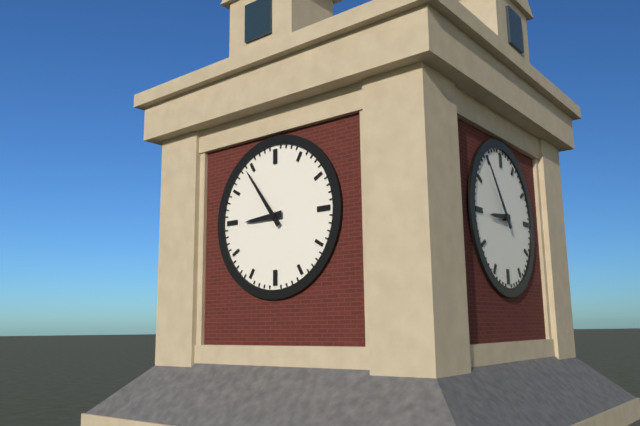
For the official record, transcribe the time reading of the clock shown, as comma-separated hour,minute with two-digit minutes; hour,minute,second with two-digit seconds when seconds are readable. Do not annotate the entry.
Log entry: 8,54
